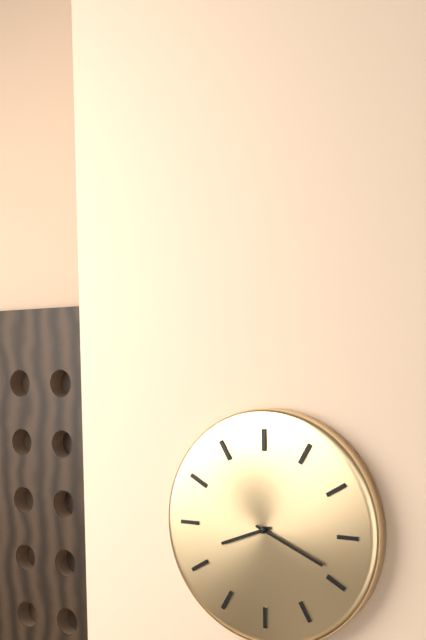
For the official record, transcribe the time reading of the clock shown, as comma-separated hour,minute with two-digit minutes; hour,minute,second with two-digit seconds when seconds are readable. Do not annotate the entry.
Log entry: 8,19
